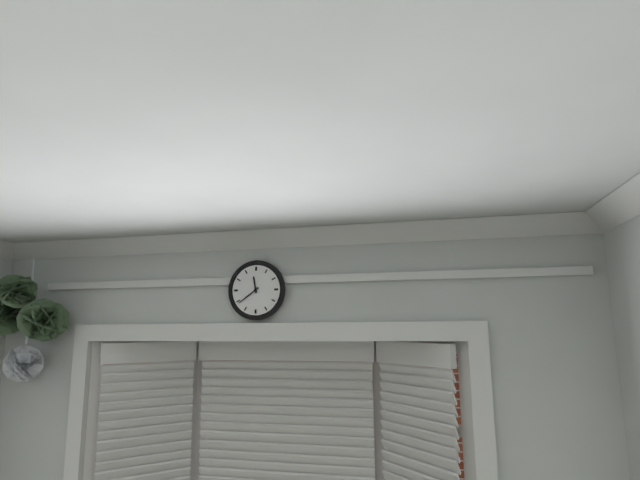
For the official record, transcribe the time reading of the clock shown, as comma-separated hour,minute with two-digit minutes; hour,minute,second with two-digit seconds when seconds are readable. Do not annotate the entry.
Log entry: 11,39
